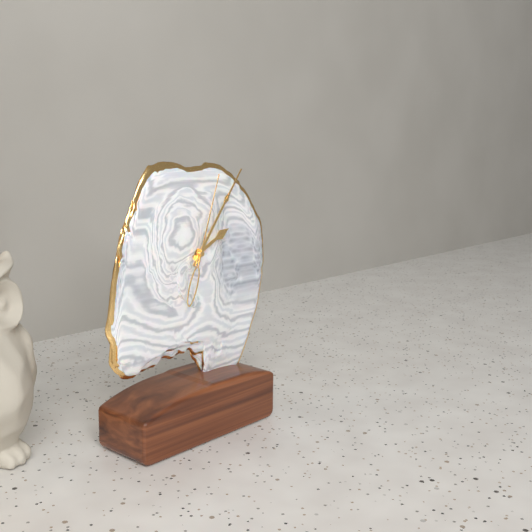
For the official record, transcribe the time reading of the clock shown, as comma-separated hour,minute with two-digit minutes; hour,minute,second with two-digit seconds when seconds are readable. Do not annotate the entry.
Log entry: 2,06,03
